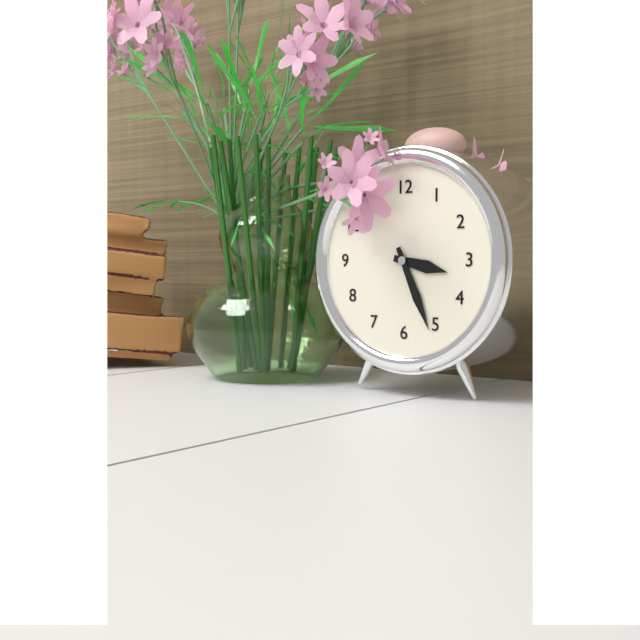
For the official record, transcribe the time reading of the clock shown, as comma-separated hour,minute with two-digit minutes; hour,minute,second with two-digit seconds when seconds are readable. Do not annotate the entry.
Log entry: 3,26
